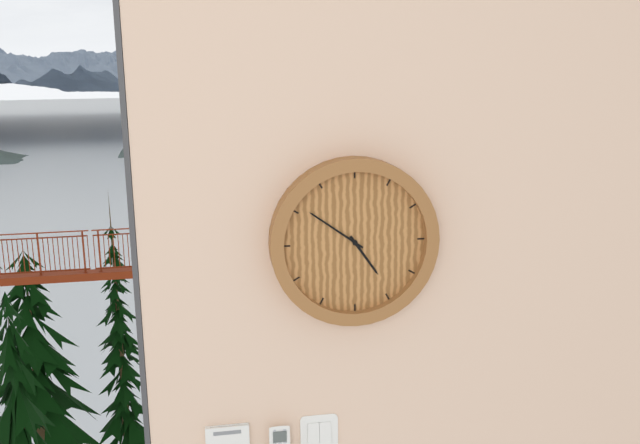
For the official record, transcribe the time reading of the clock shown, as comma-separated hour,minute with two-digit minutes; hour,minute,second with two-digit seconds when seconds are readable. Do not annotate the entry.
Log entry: 4,51
